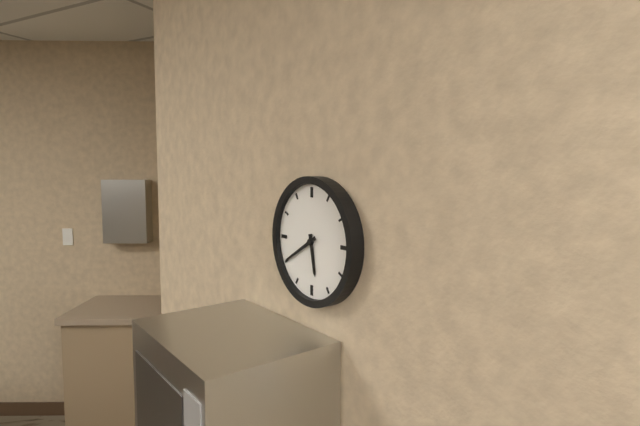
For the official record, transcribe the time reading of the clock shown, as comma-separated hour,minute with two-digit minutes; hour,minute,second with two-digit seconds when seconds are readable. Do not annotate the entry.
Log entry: 5,40
